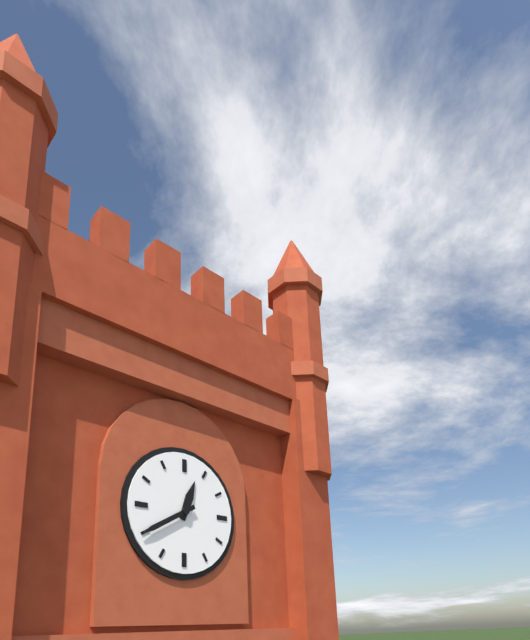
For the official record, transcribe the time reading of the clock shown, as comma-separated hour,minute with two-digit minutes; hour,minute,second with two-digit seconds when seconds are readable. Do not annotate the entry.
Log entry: 12,40
